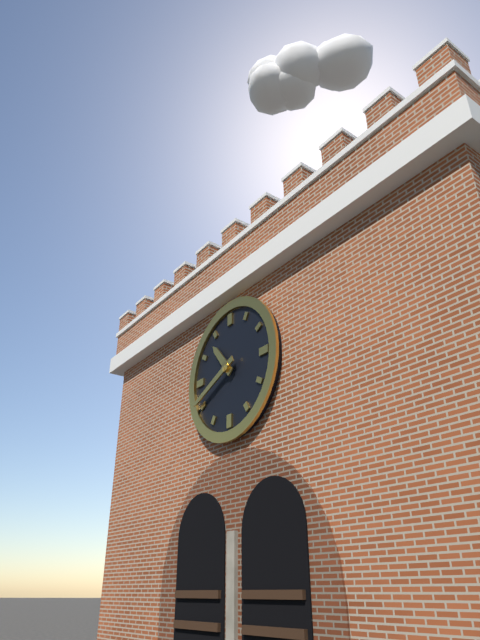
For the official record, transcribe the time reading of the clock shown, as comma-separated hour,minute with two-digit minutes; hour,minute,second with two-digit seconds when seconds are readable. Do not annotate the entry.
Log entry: 10,41
